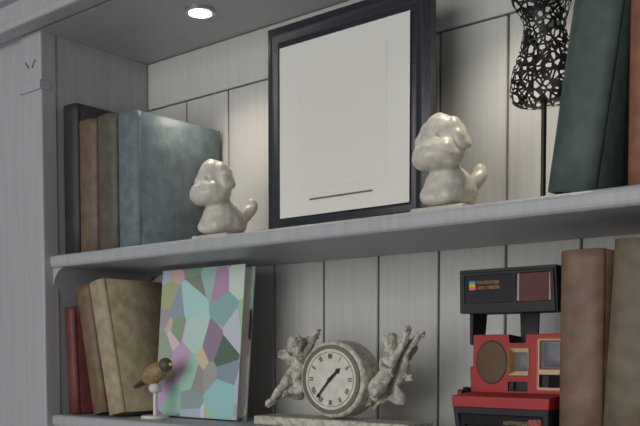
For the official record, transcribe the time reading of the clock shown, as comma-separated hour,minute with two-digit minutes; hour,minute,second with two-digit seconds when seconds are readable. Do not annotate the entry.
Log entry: 1,37
